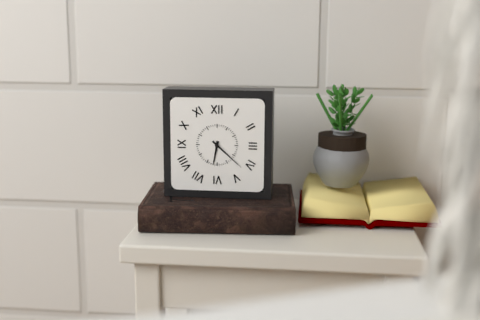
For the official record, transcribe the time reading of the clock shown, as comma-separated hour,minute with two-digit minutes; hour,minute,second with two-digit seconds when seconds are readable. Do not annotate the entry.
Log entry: 6,22
